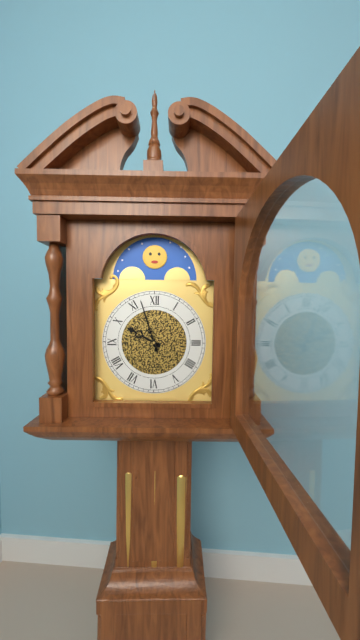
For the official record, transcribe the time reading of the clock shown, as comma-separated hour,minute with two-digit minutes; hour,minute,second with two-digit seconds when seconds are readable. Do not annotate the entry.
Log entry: 9,57
